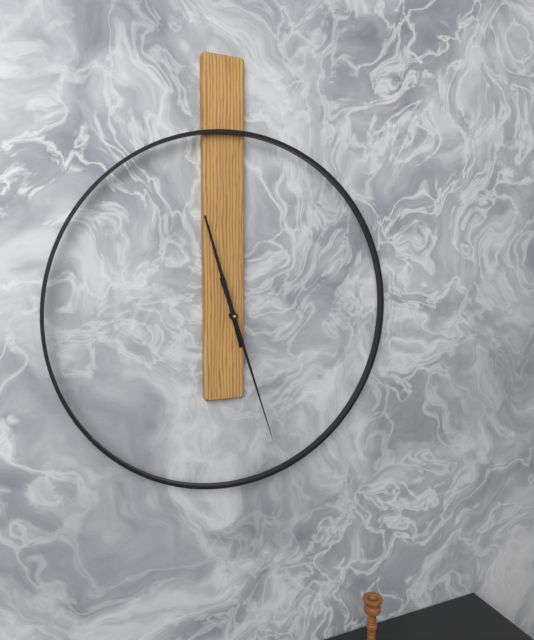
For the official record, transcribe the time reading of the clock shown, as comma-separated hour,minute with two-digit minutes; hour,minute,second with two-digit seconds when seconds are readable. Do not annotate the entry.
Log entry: 11,27
